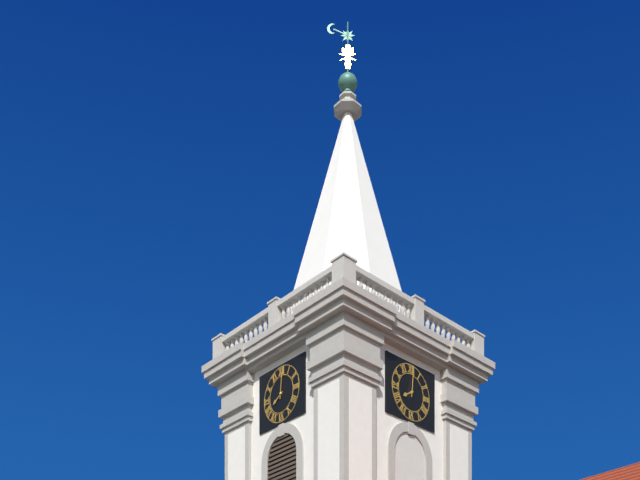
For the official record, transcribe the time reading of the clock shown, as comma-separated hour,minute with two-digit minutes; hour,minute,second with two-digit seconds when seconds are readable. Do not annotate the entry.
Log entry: 8,01
